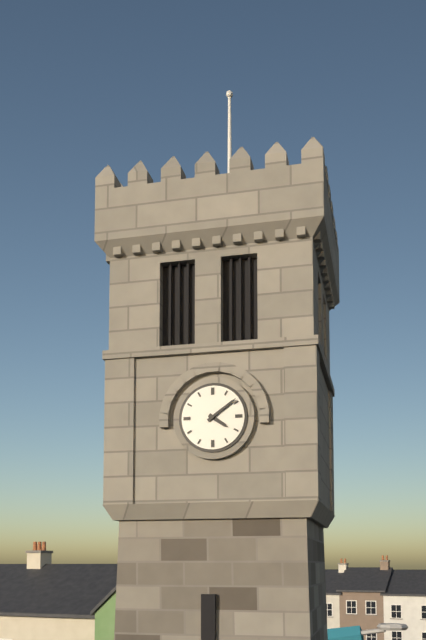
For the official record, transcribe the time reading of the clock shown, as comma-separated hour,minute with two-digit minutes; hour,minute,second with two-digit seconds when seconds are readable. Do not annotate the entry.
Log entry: 4,09
